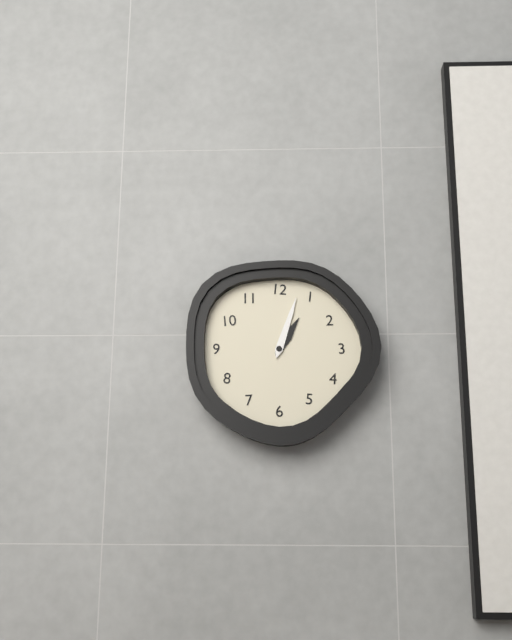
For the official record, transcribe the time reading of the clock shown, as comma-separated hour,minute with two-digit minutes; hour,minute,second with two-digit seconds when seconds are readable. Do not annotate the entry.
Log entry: 1,03
